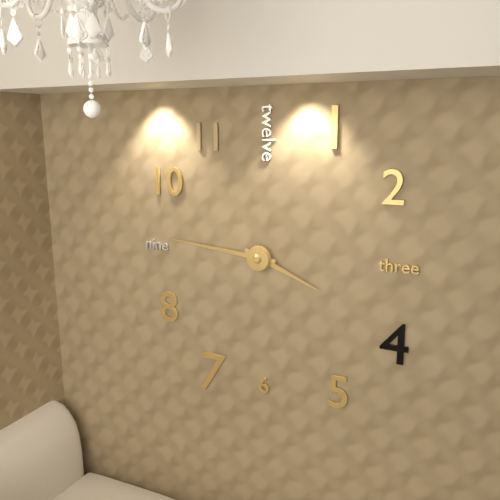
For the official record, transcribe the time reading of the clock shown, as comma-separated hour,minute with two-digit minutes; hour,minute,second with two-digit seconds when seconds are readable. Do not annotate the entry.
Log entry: 3,46
